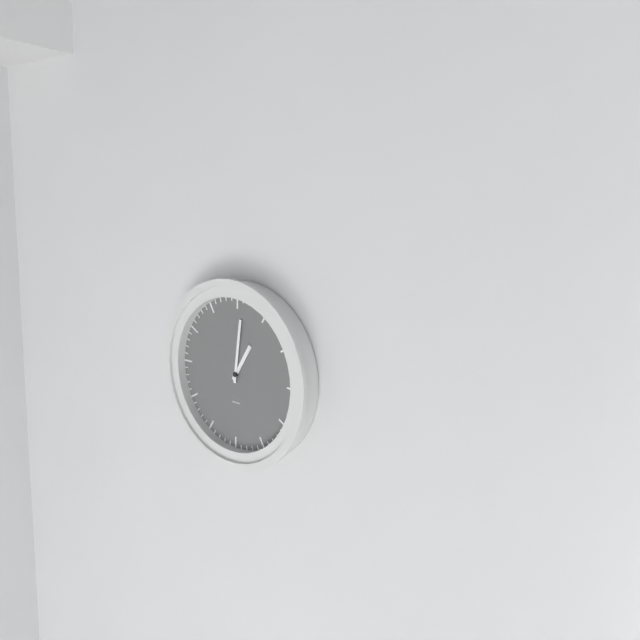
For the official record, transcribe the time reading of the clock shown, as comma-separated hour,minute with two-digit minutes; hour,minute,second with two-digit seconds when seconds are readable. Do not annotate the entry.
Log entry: 1,01
